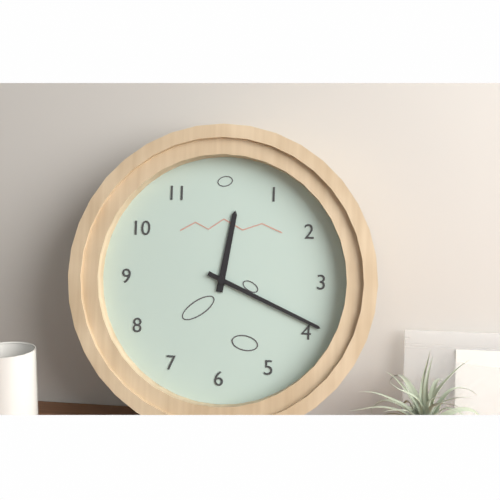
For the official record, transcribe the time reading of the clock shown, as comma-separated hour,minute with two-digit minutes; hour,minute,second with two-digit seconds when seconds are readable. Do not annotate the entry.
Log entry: 12,19
